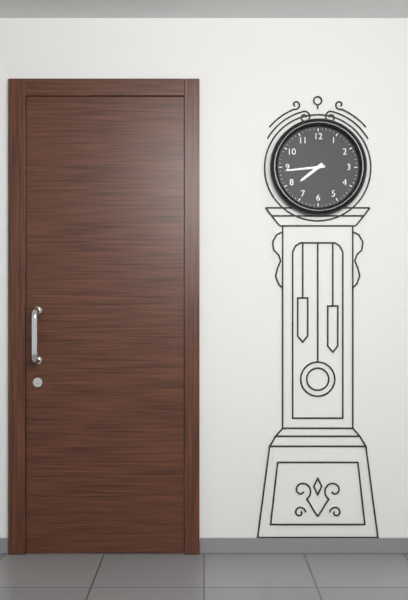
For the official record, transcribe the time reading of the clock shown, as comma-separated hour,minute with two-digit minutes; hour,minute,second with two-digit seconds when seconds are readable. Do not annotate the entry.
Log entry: 7,44
